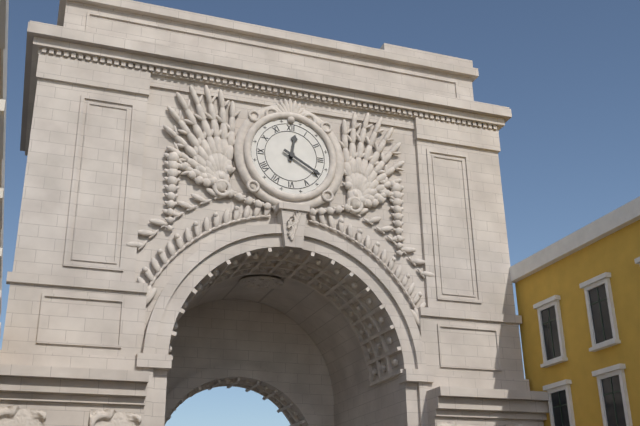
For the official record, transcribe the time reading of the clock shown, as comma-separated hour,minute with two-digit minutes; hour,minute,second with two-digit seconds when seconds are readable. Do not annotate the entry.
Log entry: 12,20
